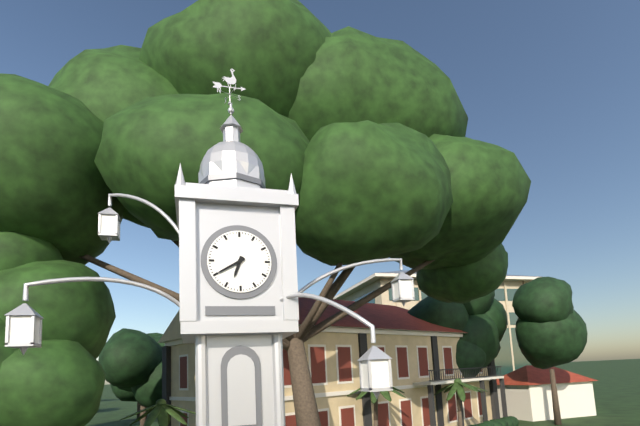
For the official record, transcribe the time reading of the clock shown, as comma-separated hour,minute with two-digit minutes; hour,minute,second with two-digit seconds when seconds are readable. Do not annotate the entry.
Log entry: 6,40
